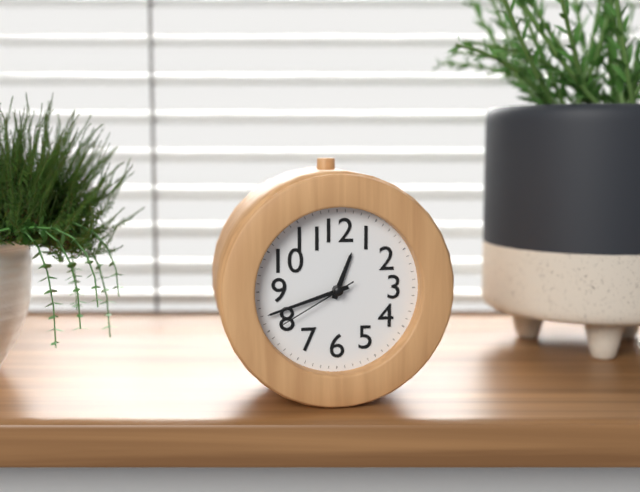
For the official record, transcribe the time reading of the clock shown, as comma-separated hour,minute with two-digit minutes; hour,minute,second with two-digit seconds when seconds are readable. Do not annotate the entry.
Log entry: 12,42,40
